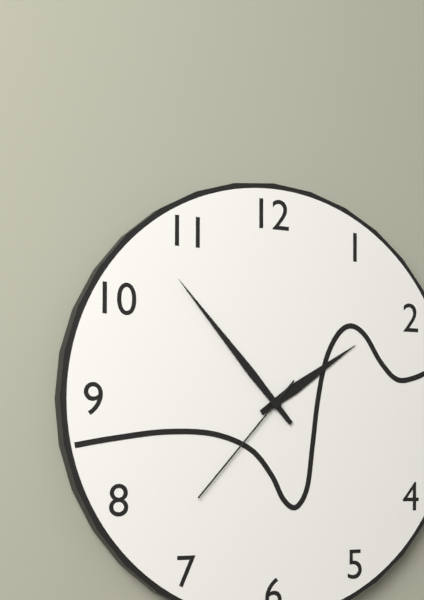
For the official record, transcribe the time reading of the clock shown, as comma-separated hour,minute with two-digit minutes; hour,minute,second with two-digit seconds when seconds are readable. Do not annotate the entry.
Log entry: 1,53,37
